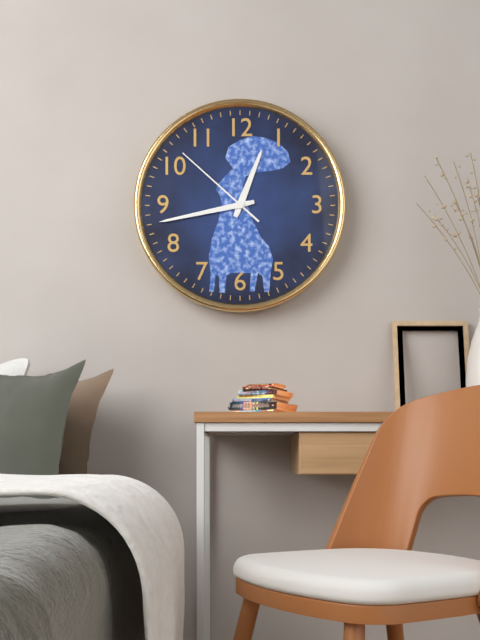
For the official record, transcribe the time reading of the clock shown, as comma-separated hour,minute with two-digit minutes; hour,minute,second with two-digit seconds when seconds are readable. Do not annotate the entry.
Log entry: 12,43,52
